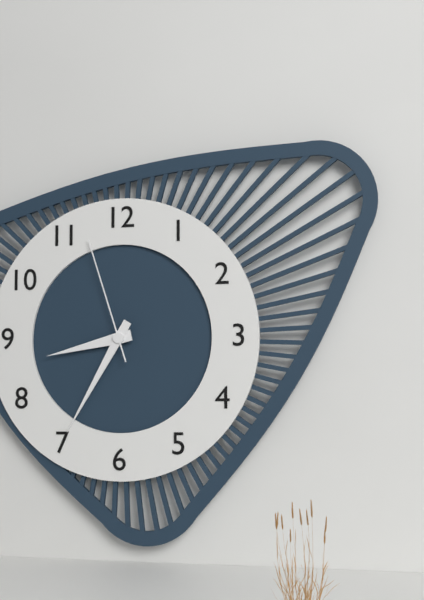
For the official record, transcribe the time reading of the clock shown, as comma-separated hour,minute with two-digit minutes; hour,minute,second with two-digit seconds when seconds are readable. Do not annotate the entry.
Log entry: 8,35,57
